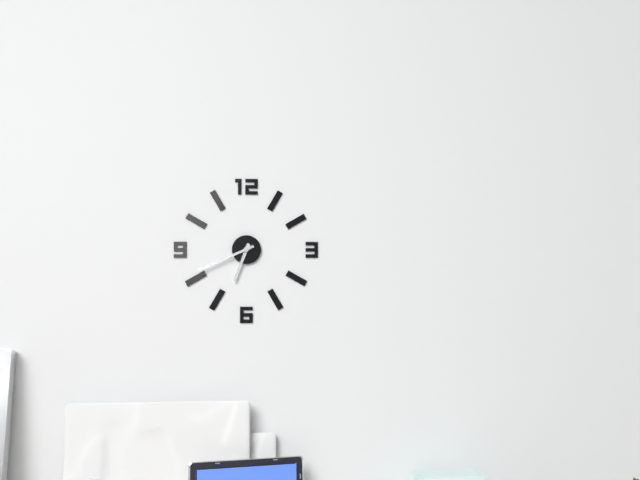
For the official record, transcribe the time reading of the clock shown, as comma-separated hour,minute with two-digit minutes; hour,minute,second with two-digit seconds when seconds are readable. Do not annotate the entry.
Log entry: 6,41
